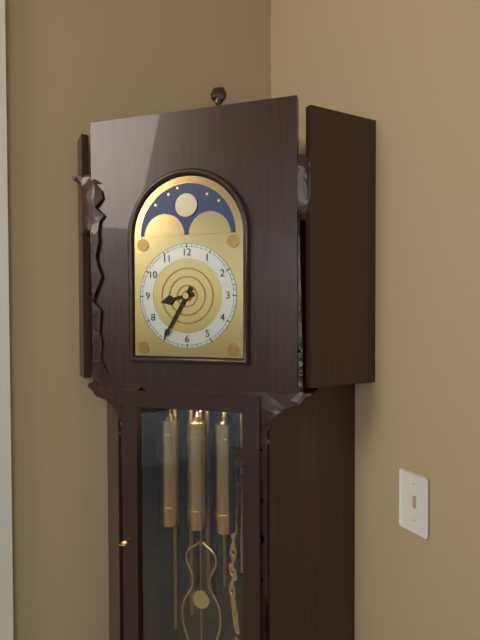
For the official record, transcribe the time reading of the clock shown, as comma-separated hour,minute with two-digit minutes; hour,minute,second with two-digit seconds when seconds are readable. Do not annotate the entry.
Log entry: 8,35
